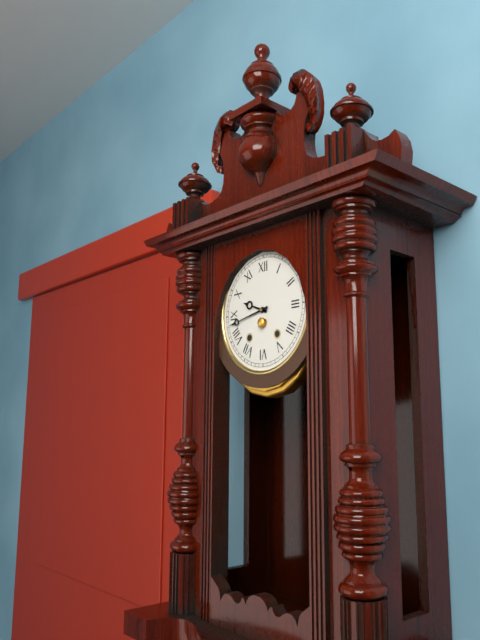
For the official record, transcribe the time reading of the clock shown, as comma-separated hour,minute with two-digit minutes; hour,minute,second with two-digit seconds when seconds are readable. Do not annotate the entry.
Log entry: 9,43
